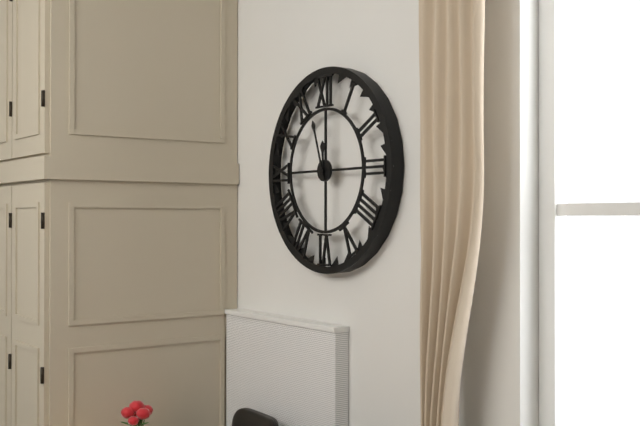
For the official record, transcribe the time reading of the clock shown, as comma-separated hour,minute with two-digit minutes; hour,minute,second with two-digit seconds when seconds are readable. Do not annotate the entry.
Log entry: 11,57
